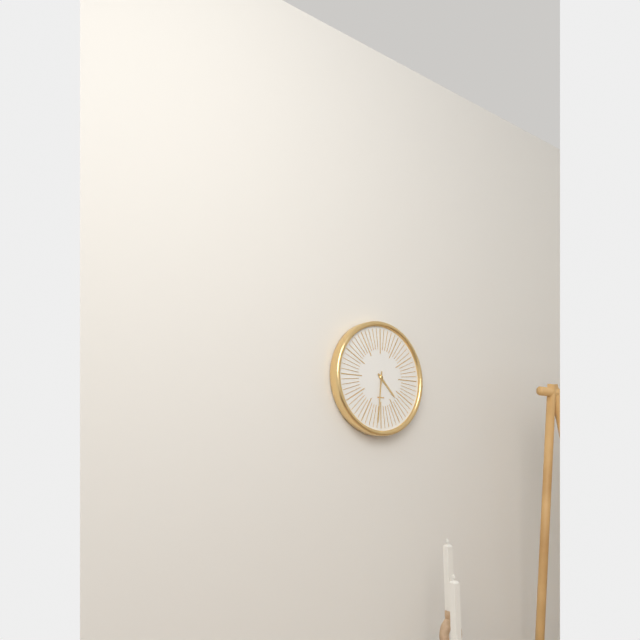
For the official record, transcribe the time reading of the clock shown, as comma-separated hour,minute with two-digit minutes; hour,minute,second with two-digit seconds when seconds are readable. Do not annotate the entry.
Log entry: 4,31
